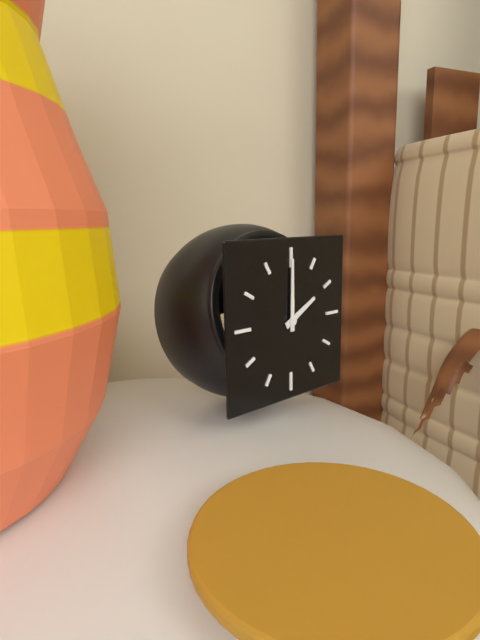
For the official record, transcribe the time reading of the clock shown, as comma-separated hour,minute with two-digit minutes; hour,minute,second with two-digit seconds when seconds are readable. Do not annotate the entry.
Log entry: 2,00
